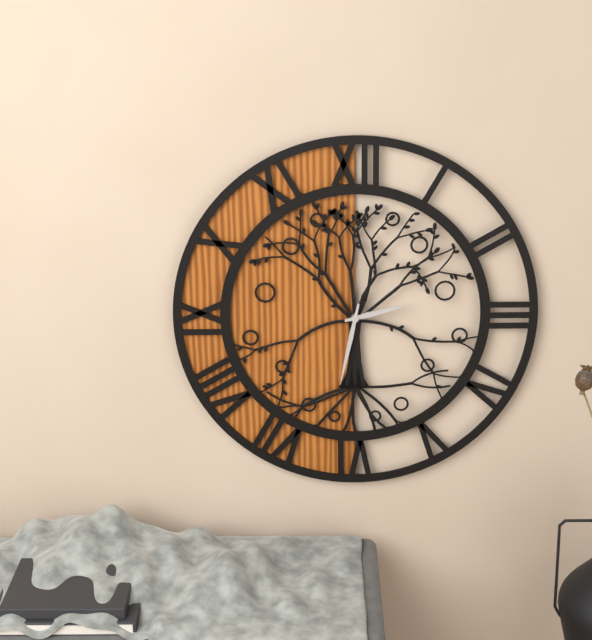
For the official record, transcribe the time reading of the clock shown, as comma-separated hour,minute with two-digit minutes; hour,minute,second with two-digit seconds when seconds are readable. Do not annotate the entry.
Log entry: 2,32
